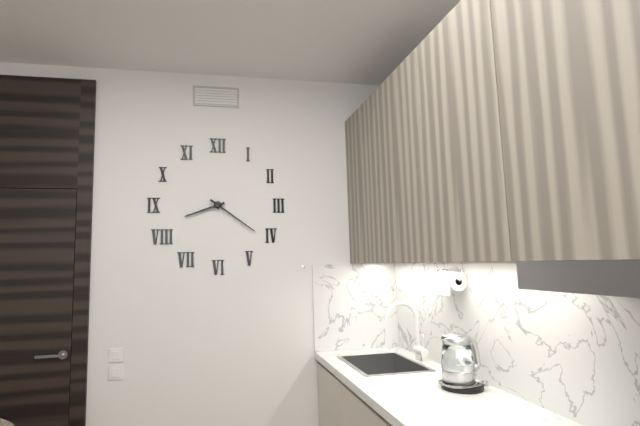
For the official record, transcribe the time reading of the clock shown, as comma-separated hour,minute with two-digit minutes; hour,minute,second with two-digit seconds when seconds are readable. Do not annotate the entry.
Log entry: 8,21
